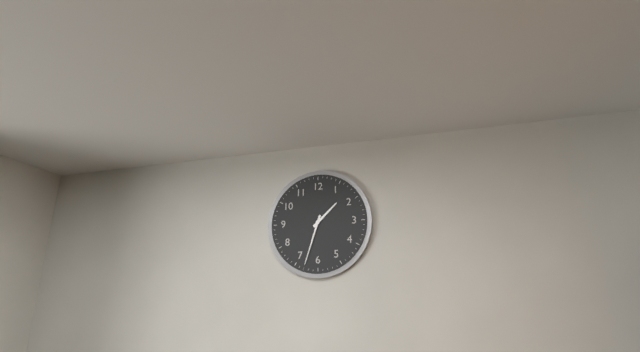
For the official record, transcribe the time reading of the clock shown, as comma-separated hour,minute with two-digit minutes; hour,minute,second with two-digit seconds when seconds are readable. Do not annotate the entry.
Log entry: 1,33
